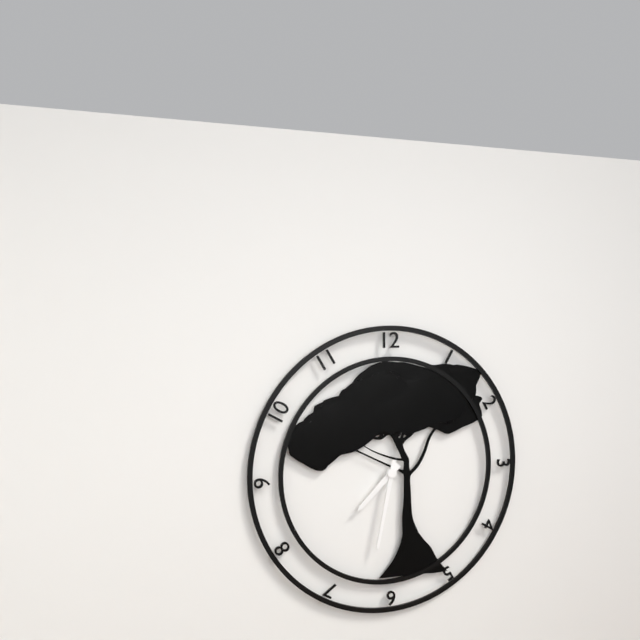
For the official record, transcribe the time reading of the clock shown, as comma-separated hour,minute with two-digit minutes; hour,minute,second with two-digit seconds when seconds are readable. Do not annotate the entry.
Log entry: 7,32
